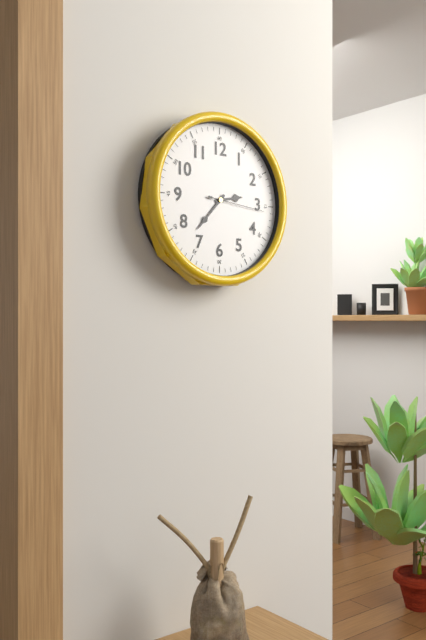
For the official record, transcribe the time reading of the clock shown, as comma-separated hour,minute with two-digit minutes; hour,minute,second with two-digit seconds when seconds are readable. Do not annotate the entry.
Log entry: 2,37,16
